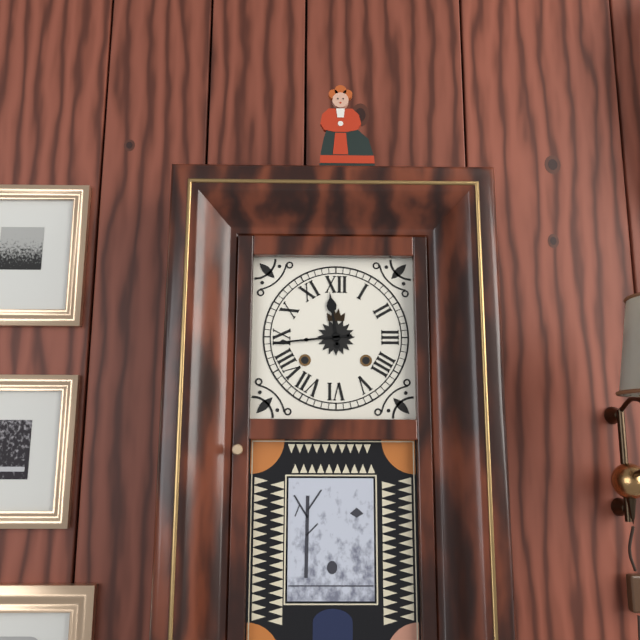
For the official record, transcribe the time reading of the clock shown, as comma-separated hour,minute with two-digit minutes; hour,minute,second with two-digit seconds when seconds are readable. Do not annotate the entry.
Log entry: 11,44
